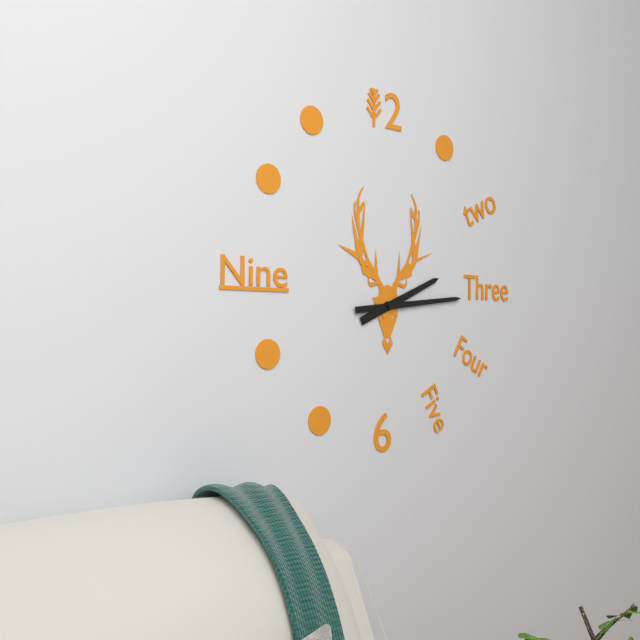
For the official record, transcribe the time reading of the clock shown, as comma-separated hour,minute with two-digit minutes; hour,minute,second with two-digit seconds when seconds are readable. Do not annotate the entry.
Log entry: 2,14
